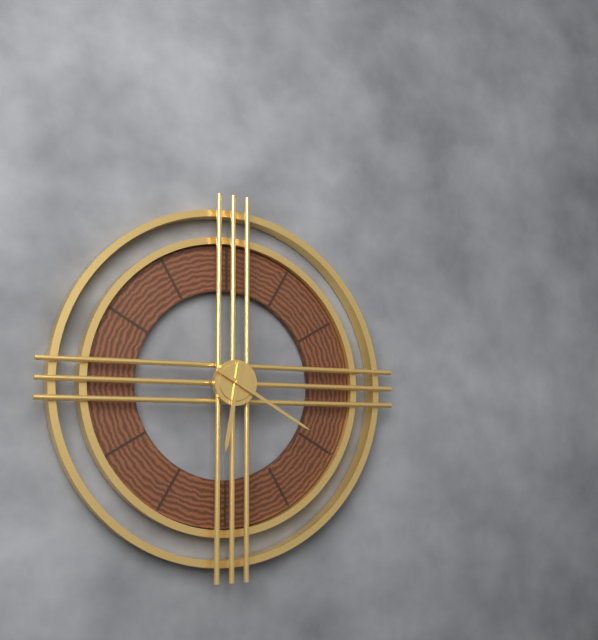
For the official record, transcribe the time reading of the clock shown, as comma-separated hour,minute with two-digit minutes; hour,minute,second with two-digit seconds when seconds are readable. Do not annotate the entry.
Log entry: 6,20
